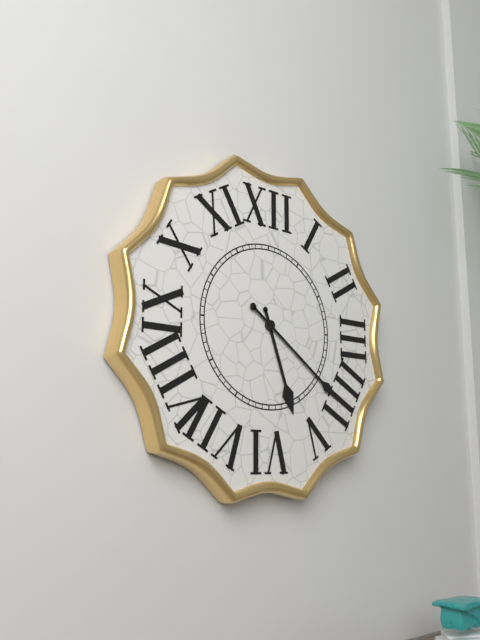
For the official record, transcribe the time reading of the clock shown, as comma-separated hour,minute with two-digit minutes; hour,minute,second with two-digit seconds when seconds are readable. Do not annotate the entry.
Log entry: 5,21
